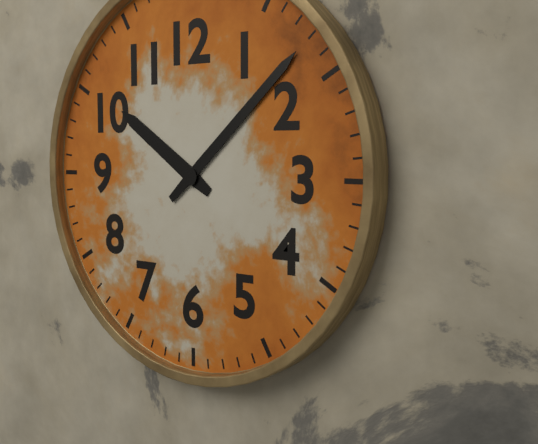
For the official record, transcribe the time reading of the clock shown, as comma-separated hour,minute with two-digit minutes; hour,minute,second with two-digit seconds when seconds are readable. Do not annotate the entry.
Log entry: 10,08
